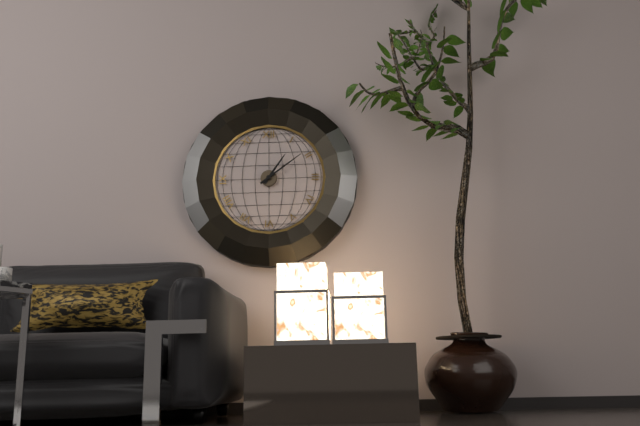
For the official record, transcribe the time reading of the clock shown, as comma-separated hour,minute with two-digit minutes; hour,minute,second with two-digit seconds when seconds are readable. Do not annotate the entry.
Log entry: 1,09
